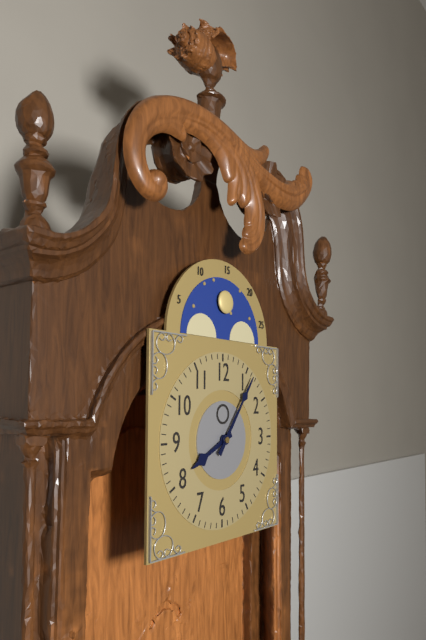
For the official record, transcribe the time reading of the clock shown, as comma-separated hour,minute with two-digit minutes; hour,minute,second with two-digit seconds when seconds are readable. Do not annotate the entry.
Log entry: 8,06
